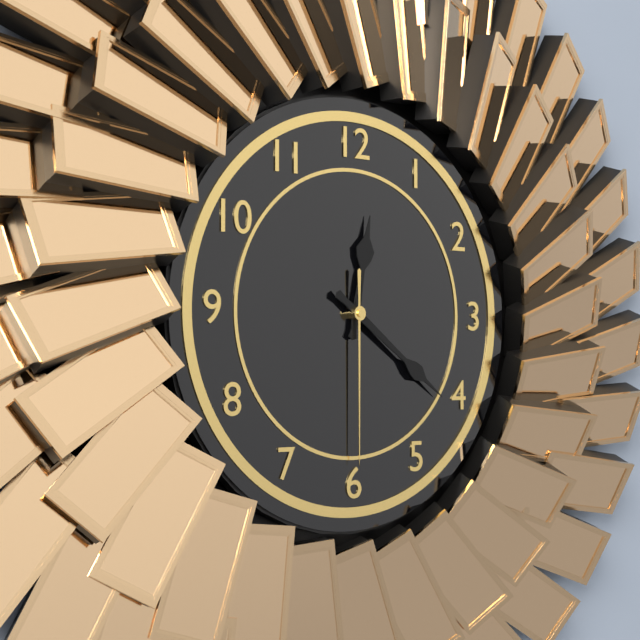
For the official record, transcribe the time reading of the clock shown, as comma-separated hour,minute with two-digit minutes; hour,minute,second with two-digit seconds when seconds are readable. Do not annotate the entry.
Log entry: 12,21,30
